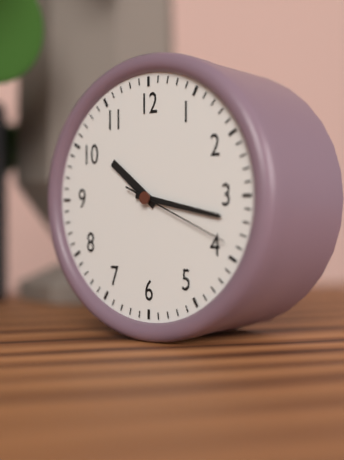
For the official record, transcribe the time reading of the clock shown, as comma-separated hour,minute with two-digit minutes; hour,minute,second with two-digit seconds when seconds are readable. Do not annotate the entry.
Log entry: 10,17,19
